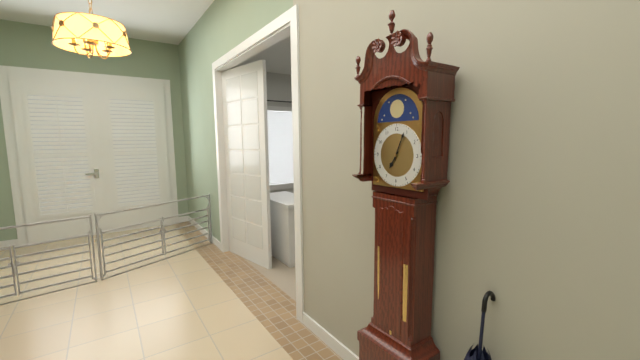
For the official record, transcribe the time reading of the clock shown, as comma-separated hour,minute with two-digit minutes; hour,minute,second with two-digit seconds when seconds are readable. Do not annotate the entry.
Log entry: 7,04
